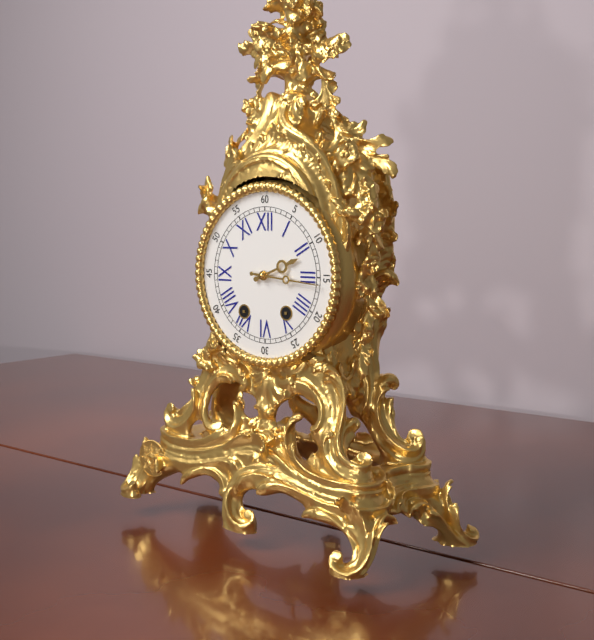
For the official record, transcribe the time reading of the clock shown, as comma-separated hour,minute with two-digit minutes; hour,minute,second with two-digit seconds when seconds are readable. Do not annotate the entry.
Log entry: 2,16
